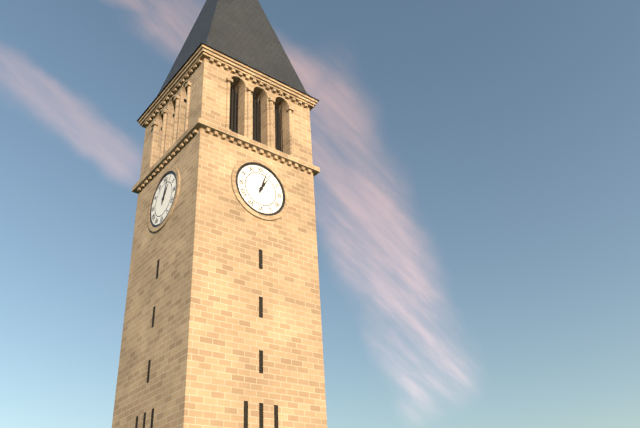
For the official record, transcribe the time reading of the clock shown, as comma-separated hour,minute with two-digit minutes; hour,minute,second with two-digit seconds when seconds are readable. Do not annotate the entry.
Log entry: 1,03
